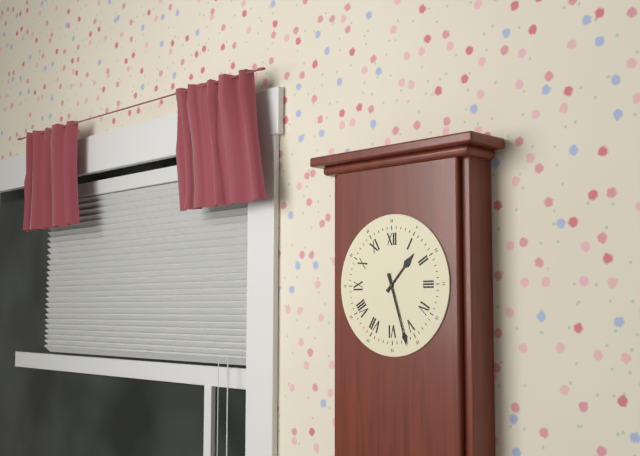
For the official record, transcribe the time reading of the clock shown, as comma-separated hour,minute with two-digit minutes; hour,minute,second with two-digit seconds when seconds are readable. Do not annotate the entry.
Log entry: 1,27
